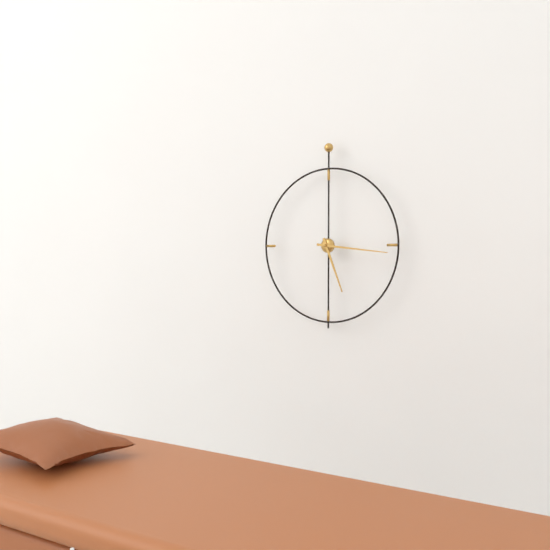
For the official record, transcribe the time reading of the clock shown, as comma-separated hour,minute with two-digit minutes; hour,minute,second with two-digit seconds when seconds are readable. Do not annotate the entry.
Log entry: 5,16
